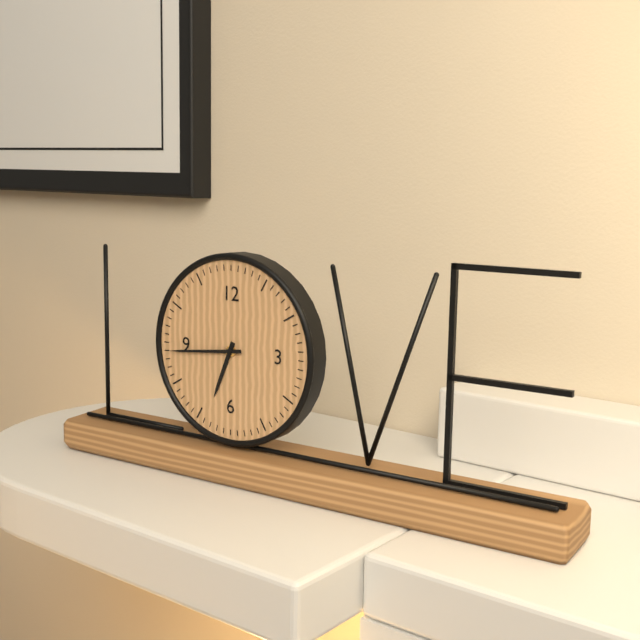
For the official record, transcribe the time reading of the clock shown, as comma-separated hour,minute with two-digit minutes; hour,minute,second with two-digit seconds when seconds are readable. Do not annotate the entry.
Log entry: 6,44
